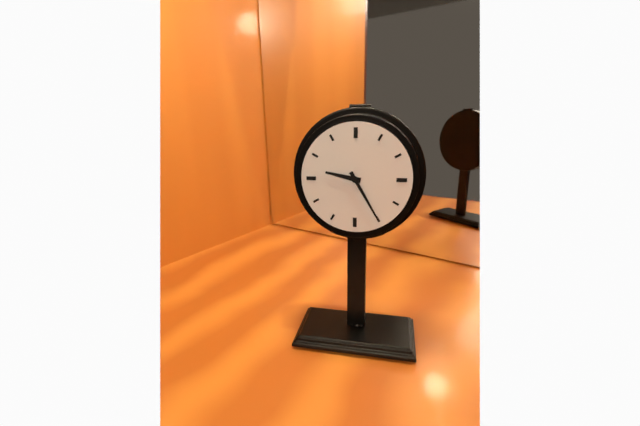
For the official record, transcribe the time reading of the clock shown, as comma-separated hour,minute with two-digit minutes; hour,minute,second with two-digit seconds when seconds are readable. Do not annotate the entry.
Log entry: 9,25
